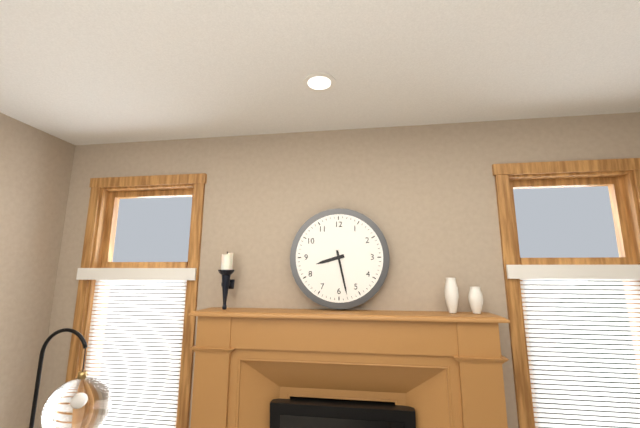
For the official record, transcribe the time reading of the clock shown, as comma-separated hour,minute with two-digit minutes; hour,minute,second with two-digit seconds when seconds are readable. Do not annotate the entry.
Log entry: 8,28
